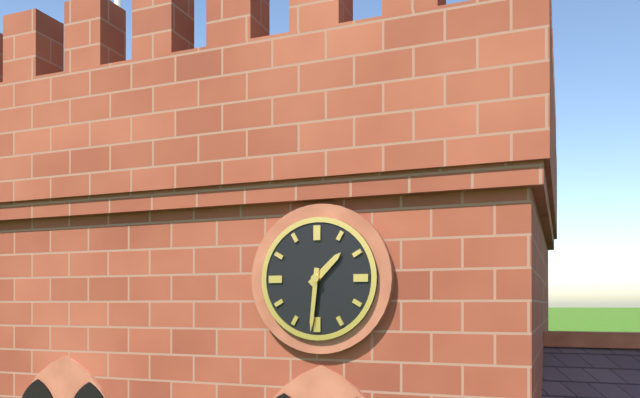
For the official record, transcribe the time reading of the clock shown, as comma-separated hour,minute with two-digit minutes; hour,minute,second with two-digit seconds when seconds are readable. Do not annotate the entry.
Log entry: 1,31
